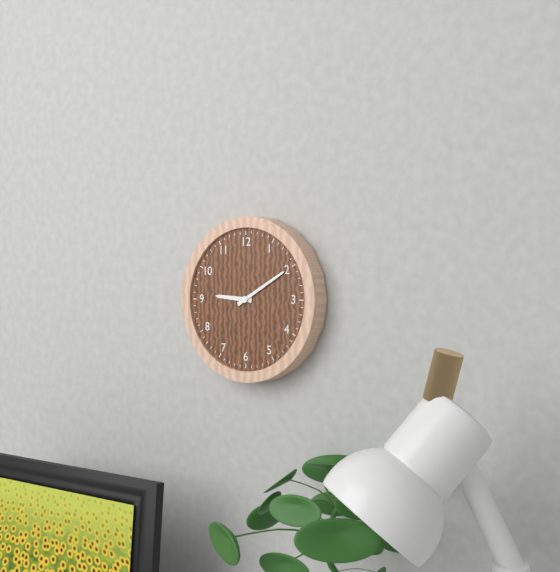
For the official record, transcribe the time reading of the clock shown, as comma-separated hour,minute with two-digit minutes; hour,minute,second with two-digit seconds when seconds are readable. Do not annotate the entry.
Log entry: 9,10
